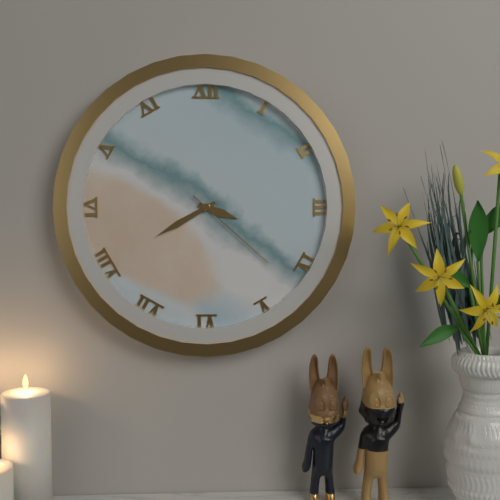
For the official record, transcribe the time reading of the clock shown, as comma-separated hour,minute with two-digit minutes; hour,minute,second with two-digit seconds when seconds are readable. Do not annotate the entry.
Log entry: 3,40,22
